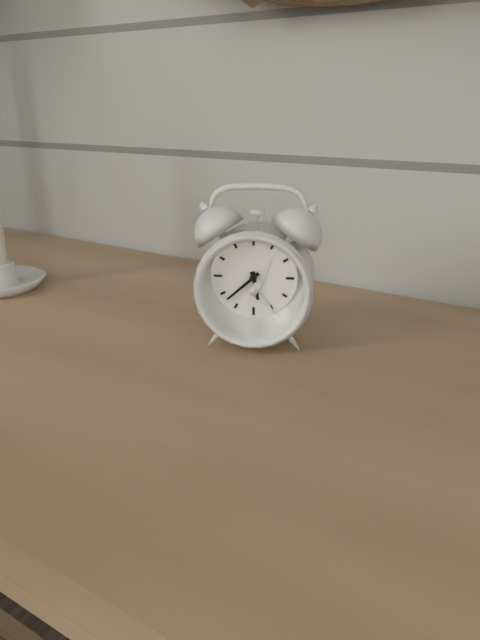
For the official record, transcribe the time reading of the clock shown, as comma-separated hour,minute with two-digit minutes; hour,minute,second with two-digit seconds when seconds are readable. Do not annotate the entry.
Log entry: 5,38
